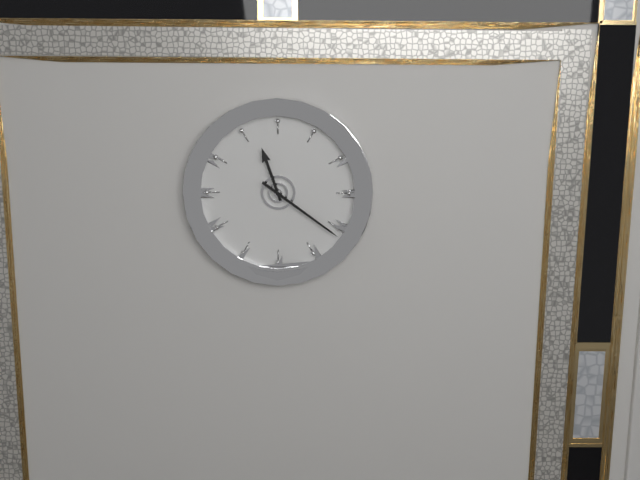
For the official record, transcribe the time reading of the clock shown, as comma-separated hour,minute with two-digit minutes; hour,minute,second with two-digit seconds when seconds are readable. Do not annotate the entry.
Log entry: 11,21
